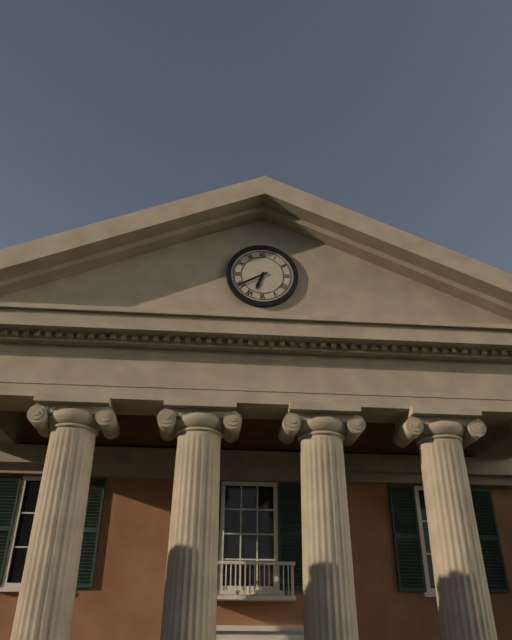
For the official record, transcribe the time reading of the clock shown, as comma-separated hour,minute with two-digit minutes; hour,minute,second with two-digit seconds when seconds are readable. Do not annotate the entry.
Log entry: 6,40
